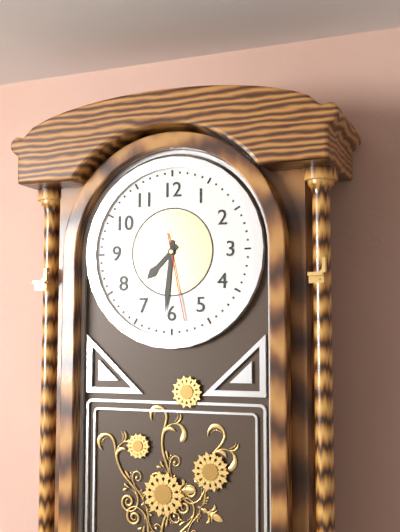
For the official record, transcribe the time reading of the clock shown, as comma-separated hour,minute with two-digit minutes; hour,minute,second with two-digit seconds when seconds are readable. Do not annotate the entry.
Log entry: 7,31,28
